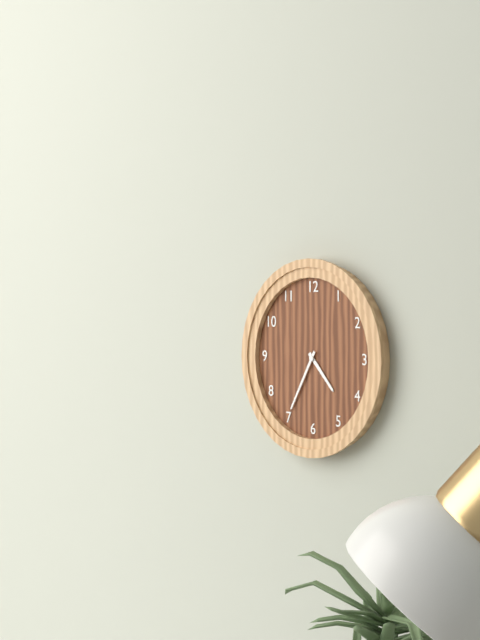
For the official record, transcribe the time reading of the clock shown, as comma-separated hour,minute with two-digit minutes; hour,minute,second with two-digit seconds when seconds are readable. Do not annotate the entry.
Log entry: 4,35
